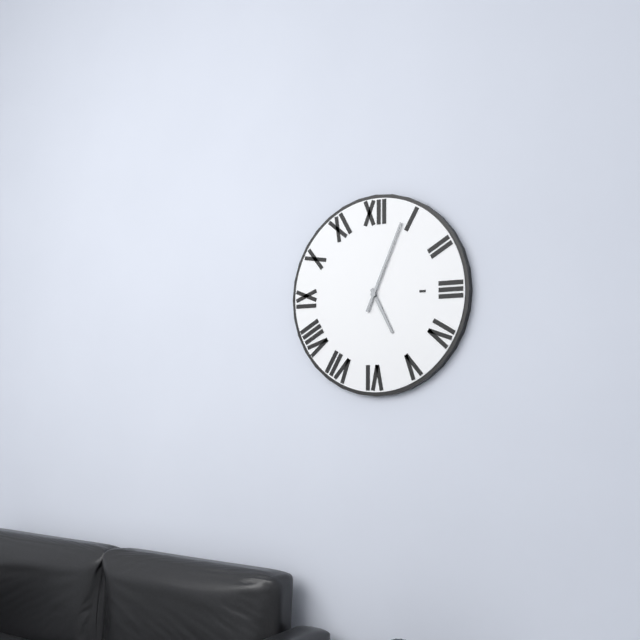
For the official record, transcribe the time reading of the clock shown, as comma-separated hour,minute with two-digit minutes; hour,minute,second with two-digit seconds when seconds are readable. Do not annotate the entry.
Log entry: 5,04
